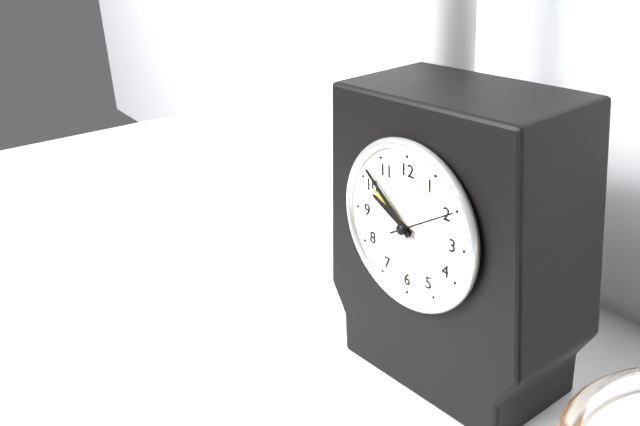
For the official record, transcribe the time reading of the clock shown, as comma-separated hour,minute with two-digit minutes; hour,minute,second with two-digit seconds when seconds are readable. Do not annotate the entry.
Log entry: 9,52,10
